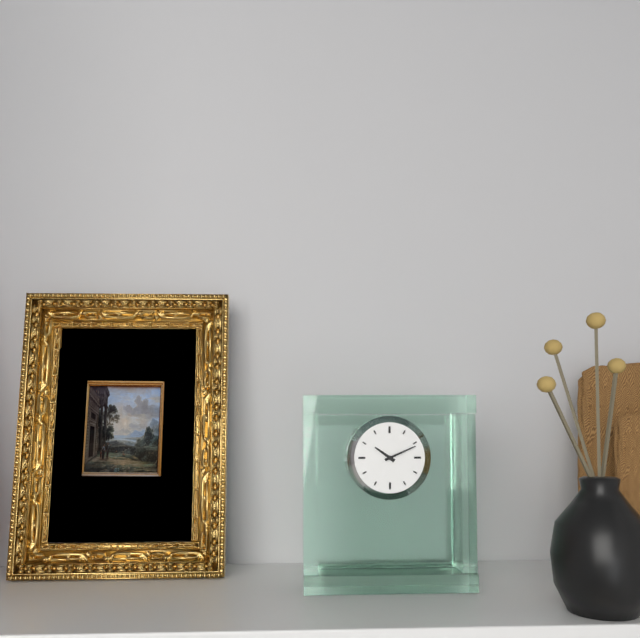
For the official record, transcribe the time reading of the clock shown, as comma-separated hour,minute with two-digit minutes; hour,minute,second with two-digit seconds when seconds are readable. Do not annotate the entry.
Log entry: 10,11
